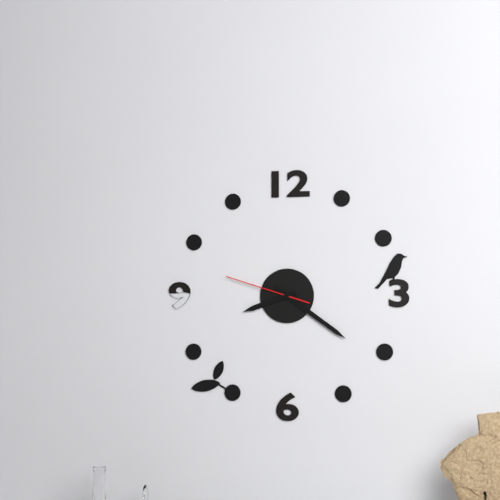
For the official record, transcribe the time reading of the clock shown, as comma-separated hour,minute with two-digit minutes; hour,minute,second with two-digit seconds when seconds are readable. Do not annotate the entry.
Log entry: 8,21
